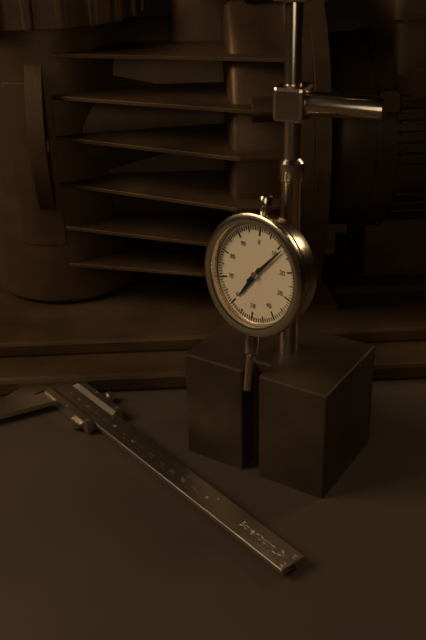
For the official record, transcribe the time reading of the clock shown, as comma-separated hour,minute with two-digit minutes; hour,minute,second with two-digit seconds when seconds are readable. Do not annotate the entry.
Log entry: 7,07
